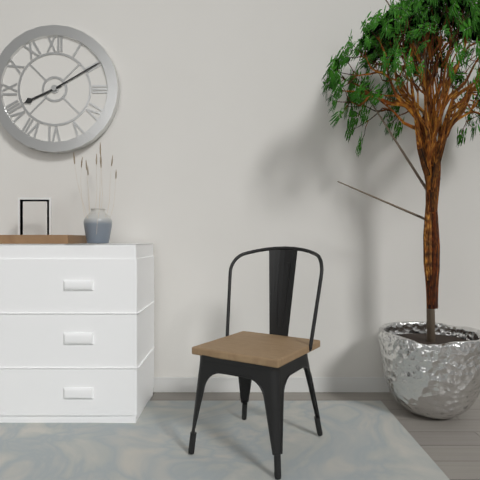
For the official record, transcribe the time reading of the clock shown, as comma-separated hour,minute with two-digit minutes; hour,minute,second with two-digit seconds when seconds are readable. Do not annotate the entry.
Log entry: 8,10
